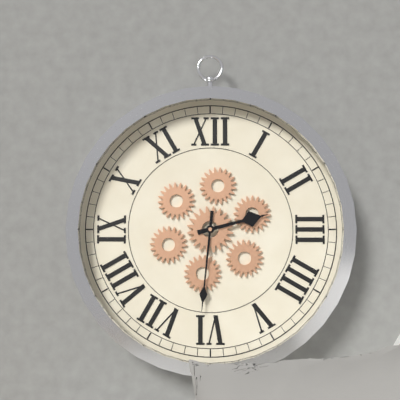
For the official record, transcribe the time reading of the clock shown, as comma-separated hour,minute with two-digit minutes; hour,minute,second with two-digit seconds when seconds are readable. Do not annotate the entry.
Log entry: 2,31
